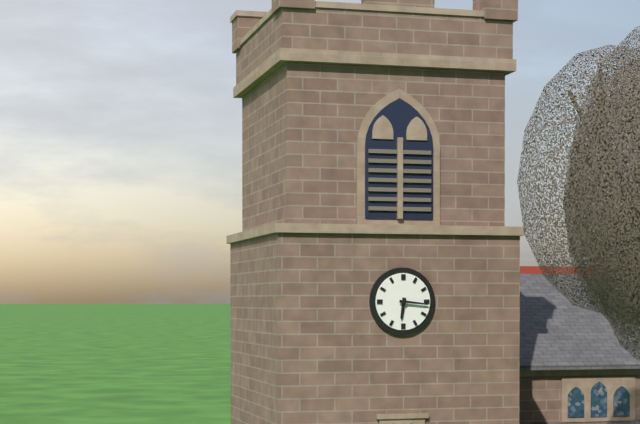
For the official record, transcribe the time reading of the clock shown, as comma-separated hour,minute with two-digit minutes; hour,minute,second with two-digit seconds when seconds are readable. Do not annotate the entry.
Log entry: 6,16
